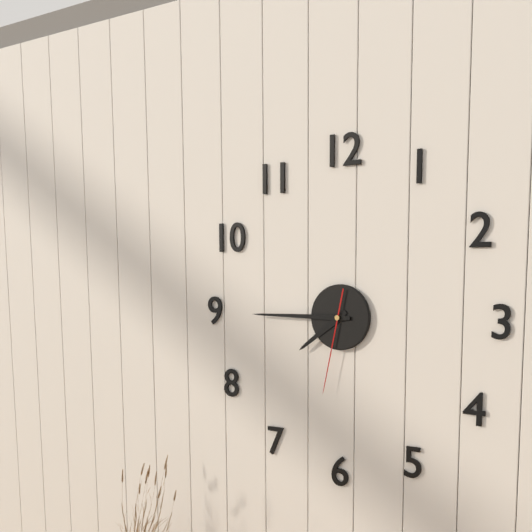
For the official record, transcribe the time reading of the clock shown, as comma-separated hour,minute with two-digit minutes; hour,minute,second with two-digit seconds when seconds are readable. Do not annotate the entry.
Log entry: 7,45,32
